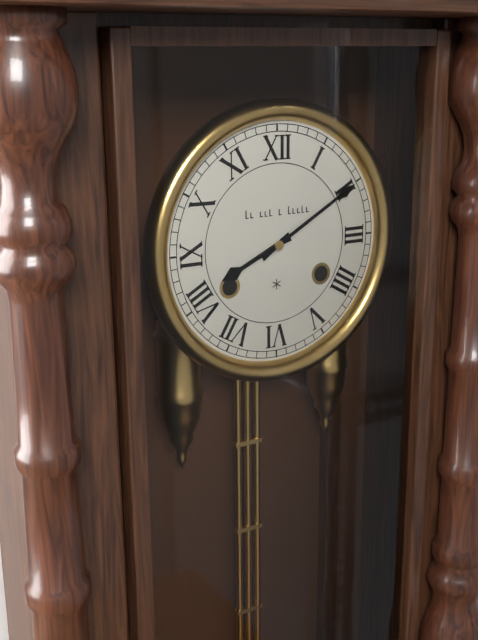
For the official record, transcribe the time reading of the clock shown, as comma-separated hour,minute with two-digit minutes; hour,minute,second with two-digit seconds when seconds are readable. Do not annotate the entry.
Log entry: 8,10
